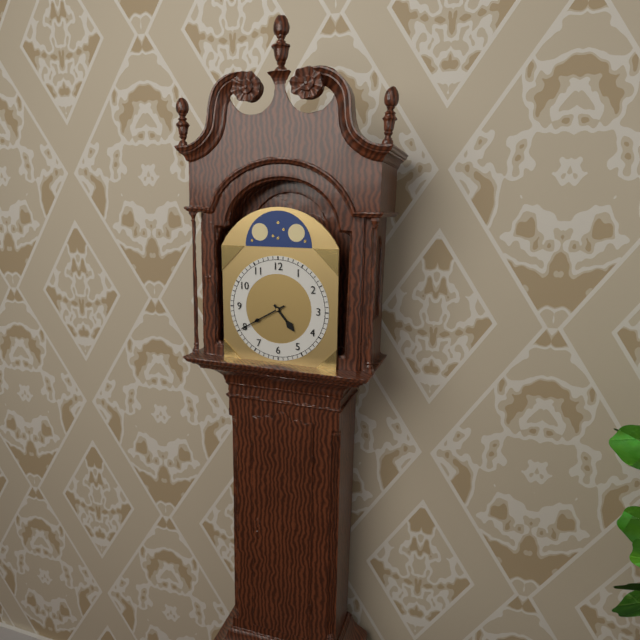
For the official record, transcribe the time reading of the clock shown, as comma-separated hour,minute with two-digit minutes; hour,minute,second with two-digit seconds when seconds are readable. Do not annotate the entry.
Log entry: 4,40
